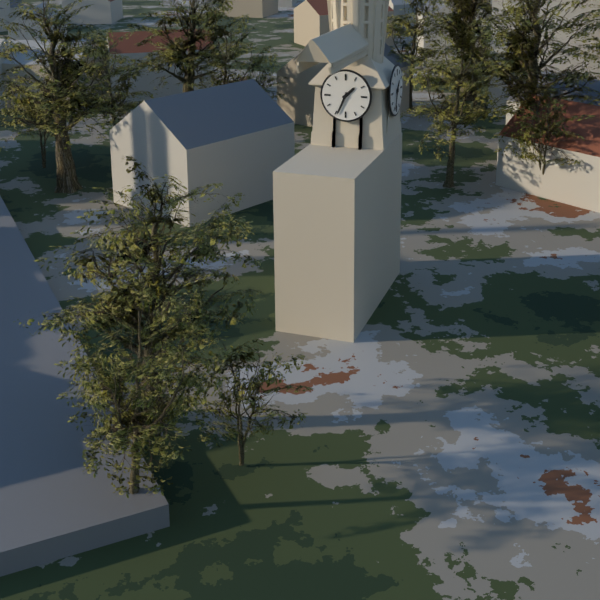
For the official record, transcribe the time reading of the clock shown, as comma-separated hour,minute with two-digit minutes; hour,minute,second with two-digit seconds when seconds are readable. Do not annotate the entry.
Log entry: 1,34
